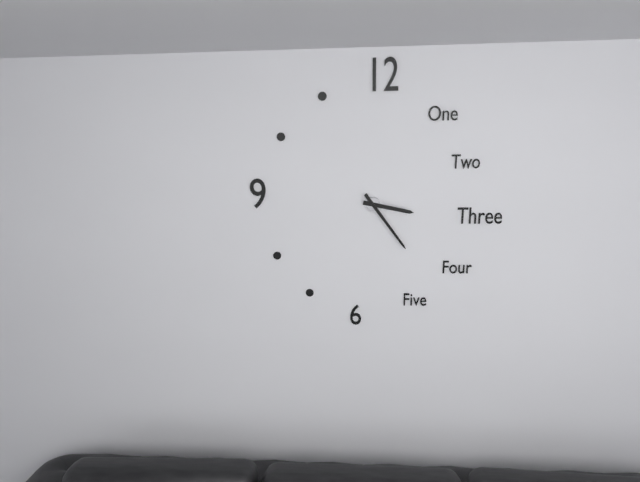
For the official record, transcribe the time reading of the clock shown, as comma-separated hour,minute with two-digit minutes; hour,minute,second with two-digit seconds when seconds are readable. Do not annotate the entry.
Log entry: 3,24
